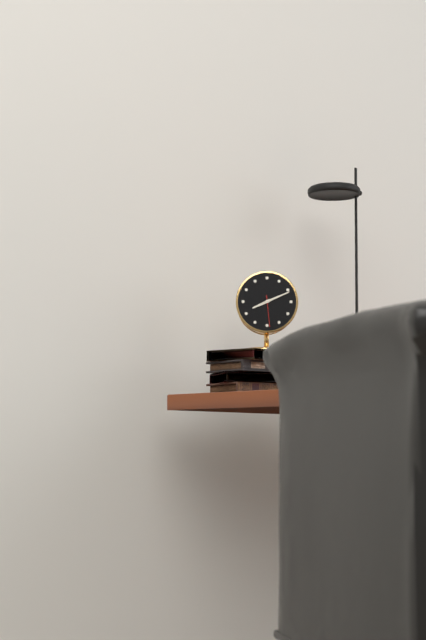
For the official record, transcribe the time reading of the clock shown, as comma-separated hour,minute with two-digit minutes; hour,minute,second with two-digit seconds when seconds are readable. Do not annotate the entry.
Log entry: 8,11
